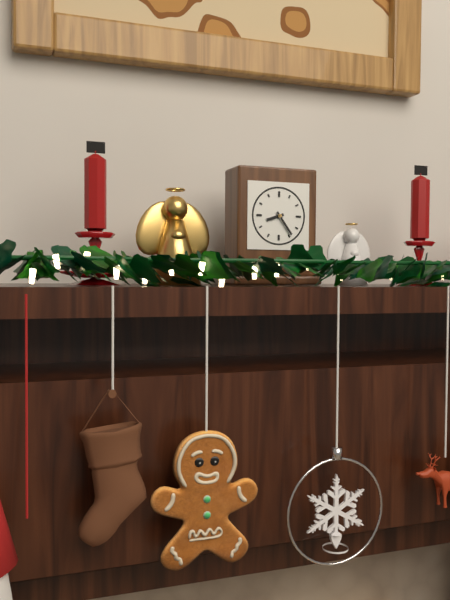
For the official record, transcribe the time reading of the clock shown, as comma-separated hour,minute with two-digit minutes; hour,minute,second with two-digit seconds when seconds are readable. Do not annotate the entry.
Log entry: 8,24
